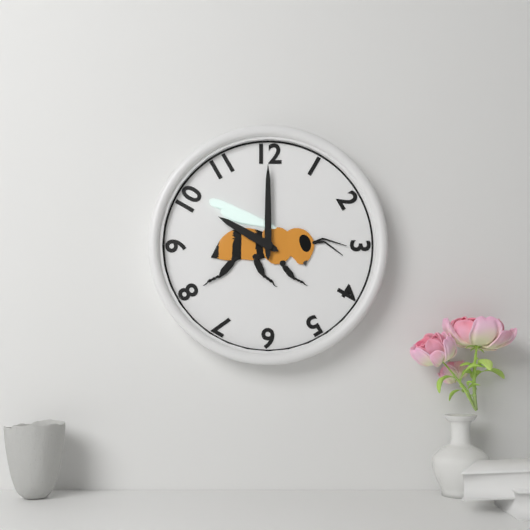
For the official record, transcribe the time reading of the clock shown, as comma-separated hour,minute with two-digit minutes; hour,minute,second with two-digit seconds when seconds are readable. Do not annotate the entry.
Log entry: 10,00
